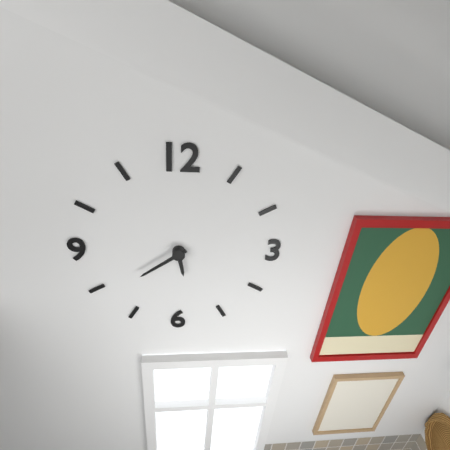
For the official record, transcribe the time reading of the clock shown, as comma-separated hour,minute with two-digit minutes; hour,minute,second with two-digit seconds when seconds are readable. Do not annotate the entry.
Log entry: 5,39
